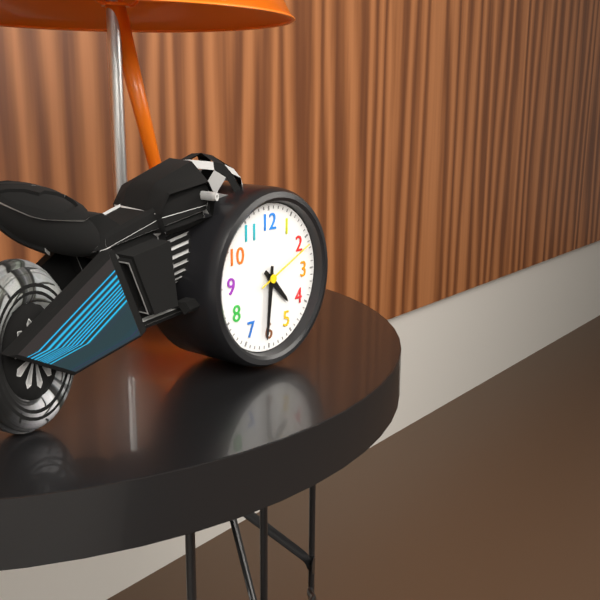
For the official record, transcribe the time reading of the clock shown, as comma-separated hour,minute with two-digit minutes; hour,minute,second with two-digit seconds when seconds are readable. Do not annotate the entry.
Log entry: 4,31,11
